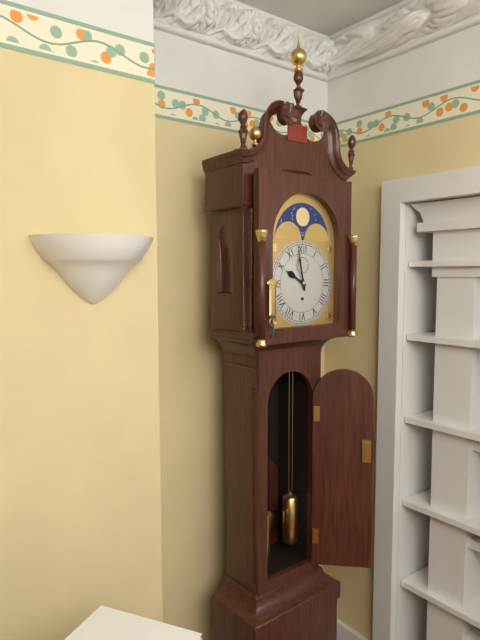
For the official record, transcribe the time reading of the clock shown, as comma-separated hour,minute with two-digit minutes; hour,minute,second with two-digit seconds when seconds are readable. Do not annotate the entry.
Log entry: 9,58
